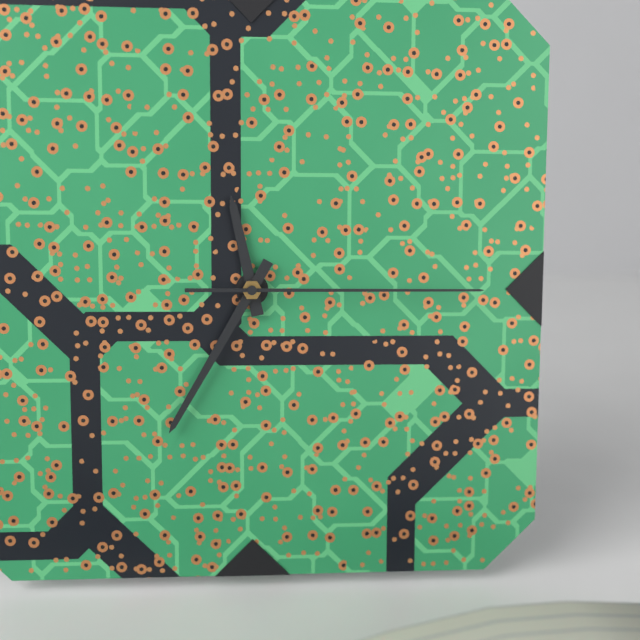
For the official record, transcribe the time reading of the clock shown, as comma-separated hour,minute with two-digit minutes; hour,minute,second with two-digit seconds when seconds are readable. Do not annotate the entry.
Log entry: 11,35,15
